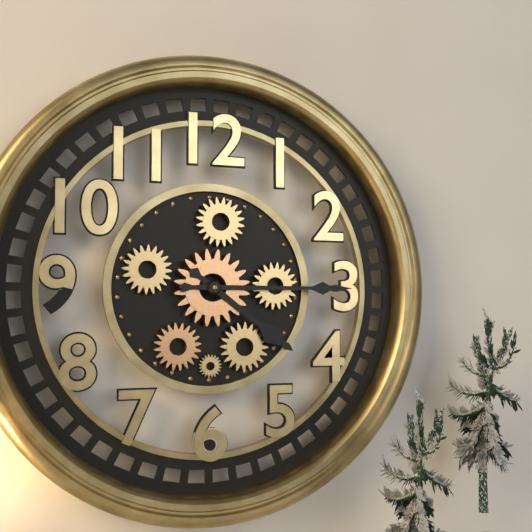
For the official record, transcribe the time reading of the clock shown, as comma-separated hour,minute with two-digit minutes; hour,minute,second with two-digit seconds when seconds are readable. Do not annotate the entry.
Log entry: 4,15
